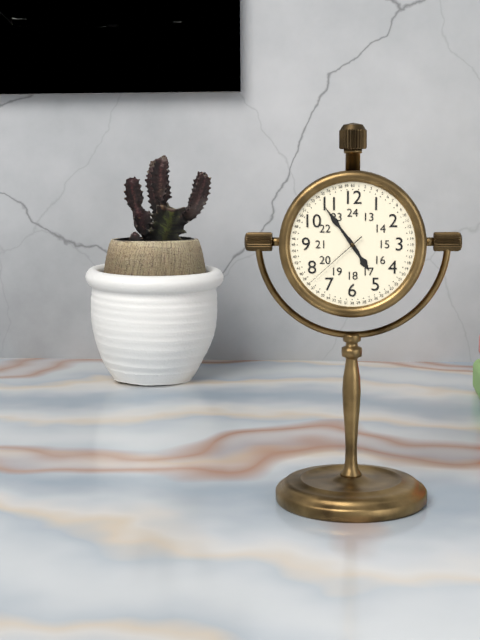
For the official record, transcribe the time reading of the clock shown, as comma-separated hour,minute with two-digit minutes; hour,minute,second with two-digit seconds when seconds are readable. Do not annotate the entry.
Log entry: 4,54,38
